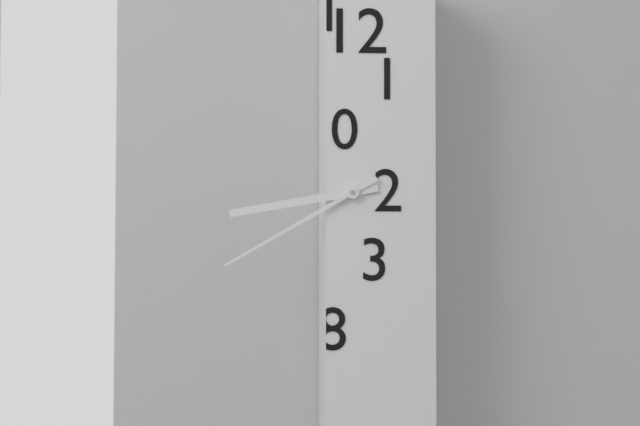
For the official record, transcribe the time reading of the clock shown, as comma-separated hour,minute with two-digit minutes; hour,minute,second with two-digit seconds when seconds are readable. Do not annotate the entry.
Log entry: 8,40
